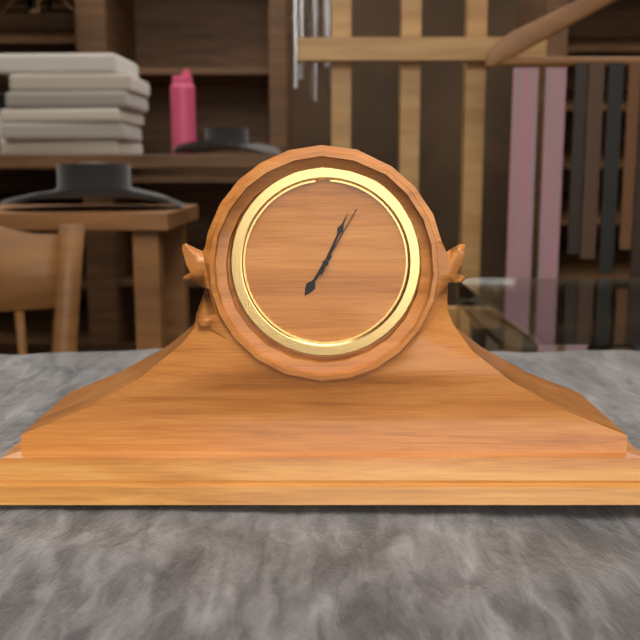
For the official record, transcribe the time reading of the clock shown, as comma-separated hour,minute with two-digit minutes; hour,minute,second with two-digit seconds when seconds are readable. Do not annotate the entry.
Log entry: 7,04,05
